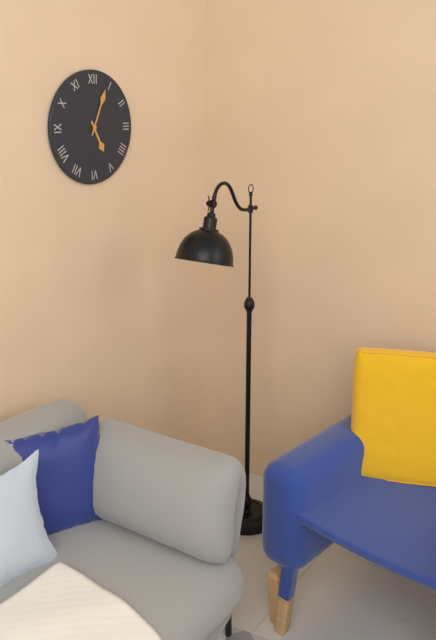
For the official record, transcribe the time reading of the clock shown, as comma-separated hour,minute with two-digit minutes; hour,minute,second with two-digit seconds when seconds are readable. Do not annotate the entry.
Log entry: 5,04
